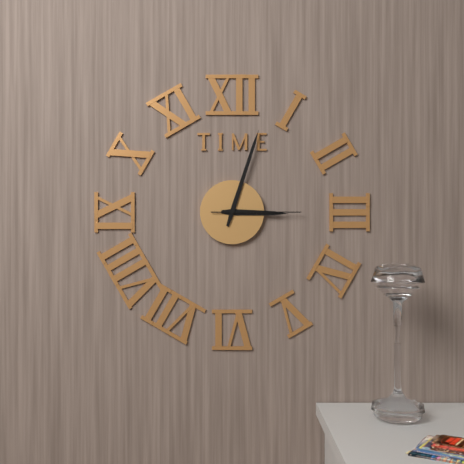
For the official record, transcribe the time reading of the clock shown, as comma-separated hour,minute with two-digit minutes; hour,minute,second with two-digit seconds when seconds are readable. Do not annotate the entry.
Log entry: 3,03,15
